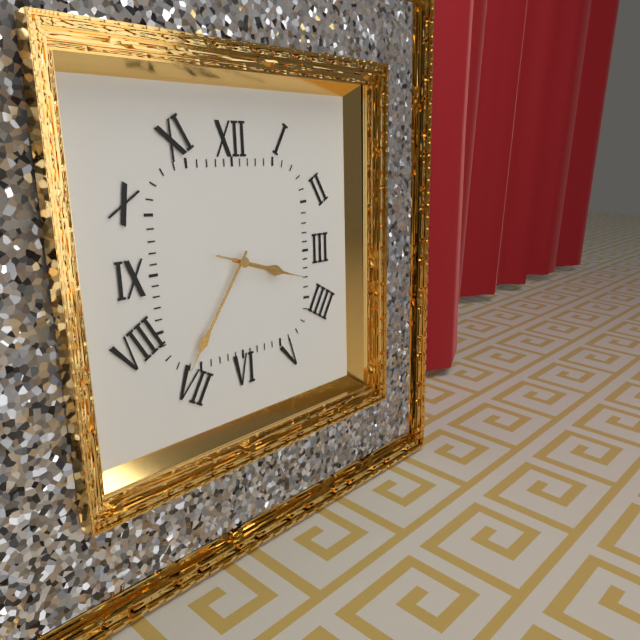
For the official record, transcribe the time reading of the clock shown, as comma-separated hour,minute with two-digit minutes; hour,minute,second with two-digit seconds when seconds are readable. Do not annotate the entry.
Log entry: 3,36,18
